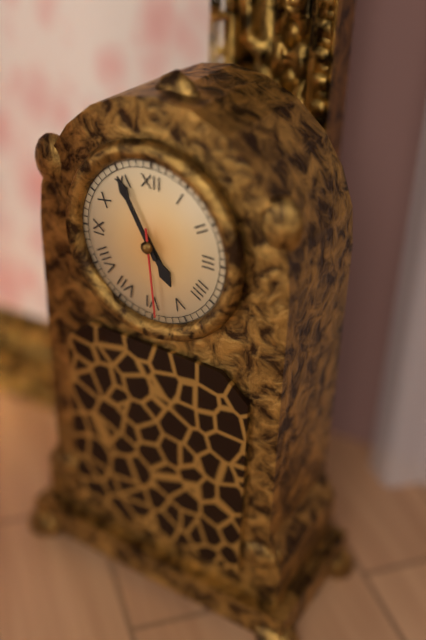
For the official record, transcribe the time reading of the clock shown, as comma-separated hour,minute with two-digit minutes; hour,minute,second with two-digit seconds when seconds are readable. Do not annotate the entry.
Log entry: 4,55,29
